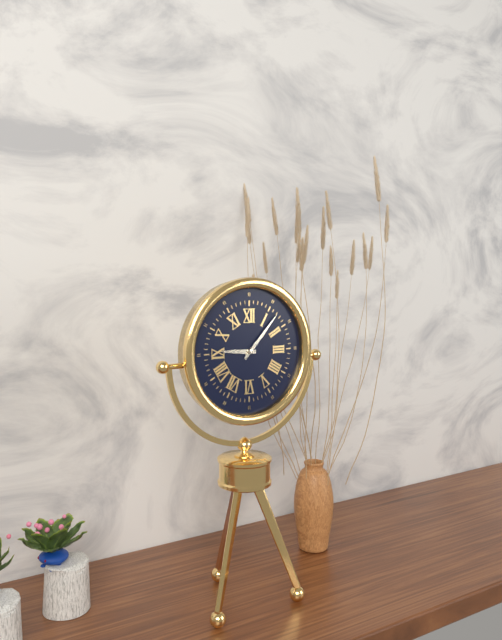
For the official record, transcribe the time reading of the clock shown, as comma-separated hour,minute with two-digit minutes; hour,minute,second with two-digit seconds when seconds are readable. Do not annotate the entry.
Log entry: 9,07
